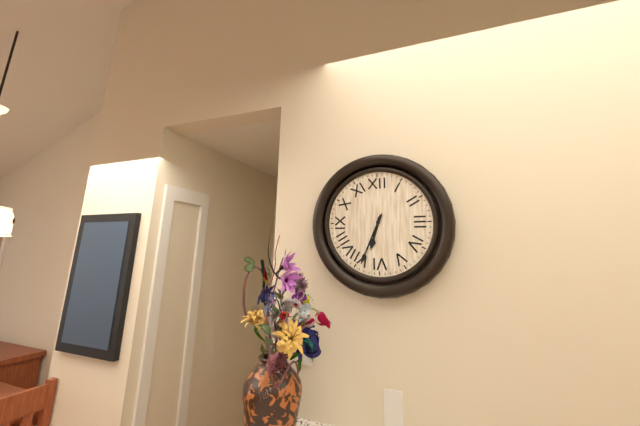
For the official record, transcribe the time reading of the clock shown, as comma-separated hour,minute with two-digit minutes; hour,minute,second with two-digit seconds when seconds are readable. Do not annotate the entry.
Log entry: 6,34
